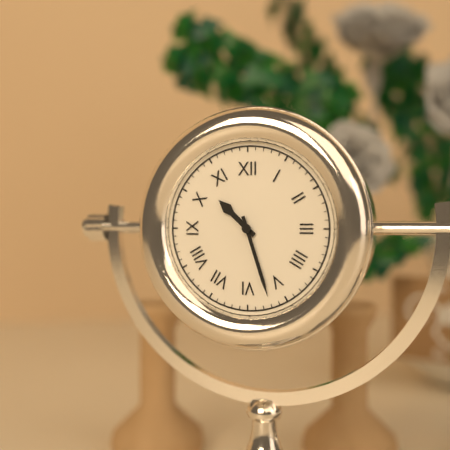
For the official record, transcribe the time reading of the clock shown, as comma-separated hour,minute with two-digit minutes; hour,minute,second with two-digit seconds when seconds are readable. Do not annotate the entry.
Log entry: 10,27
